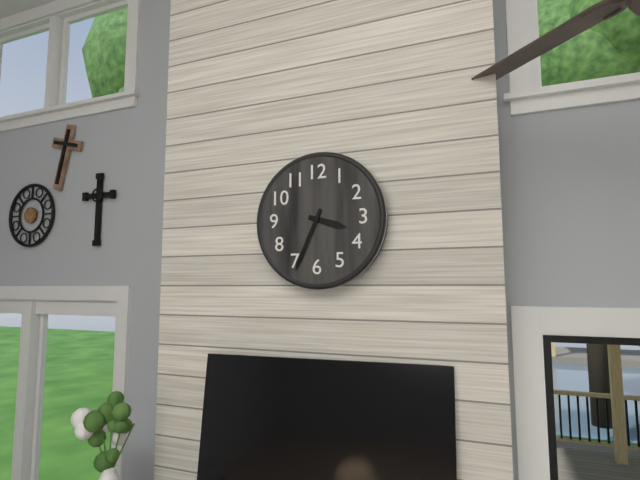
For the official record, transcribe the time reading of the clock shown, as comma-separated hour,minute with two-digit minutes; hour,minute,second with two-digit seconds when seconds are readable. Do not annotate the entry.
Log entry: 3,34
